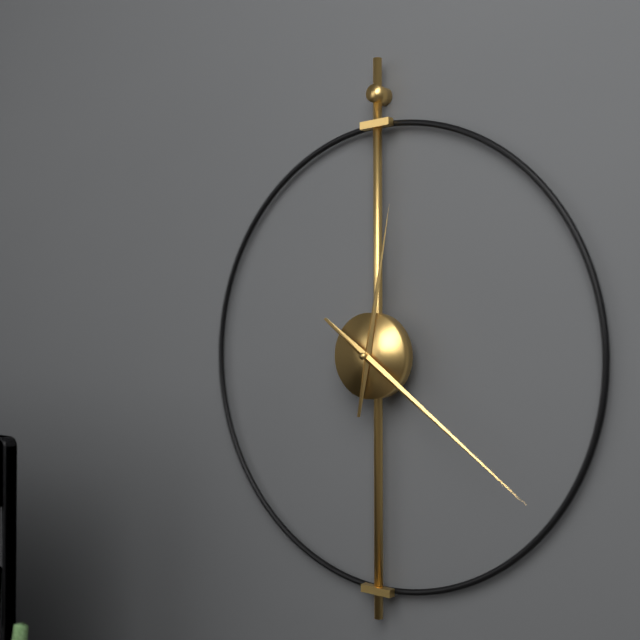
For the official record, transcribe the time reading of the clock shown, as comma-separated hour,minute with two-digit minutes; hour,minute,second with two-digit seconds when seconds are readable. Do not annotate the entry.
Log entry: 12,21
